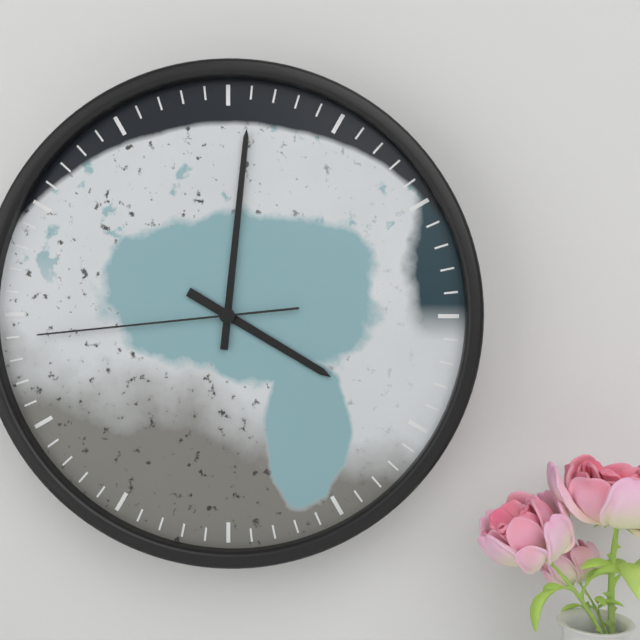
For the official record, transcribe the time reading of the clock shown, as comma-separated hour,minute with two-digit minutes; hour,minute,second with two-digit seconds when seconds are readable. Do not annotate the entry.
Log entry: 4,01,44
